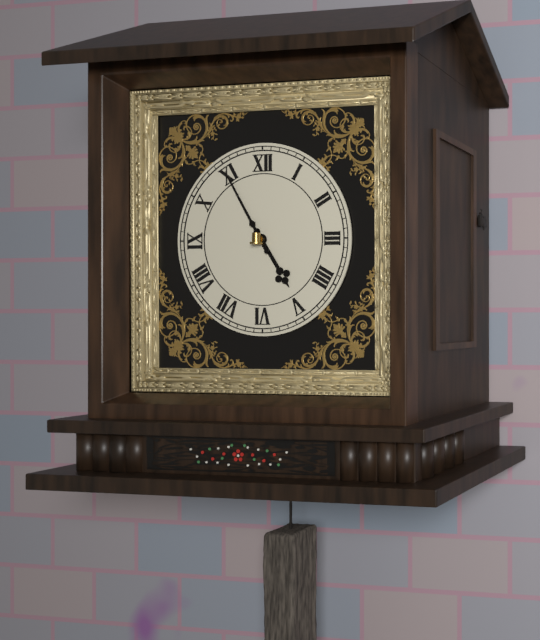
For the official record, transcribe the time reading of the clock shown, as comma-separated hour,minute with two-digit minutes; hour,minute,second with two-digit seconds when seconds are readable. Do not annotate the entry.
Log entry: 4,55
